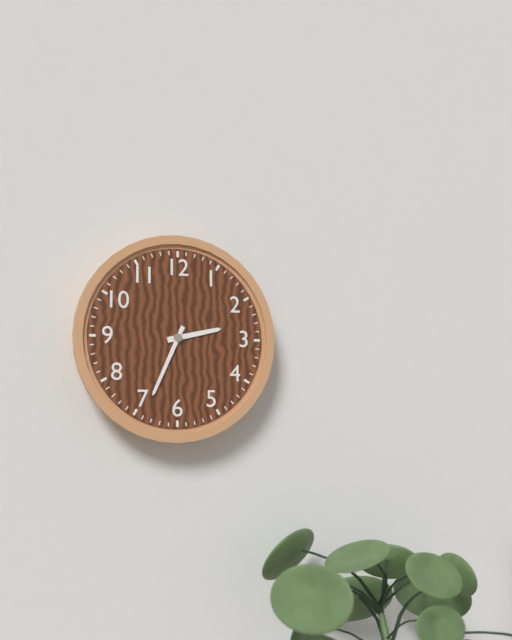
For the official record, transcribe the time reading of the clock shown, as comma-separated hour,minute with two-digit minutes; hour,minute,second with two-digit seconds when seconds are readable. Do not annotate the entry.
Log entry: 2,34
